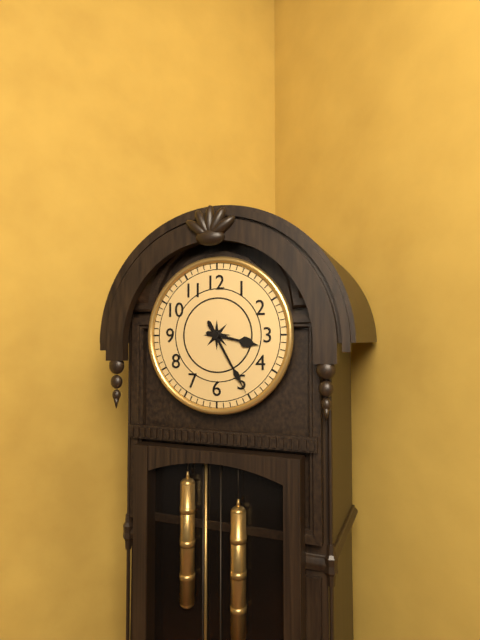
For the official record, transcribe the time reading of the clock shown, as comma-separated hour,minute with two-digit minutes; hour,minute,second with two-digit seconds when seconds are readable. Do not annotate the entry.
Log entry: 3,25
